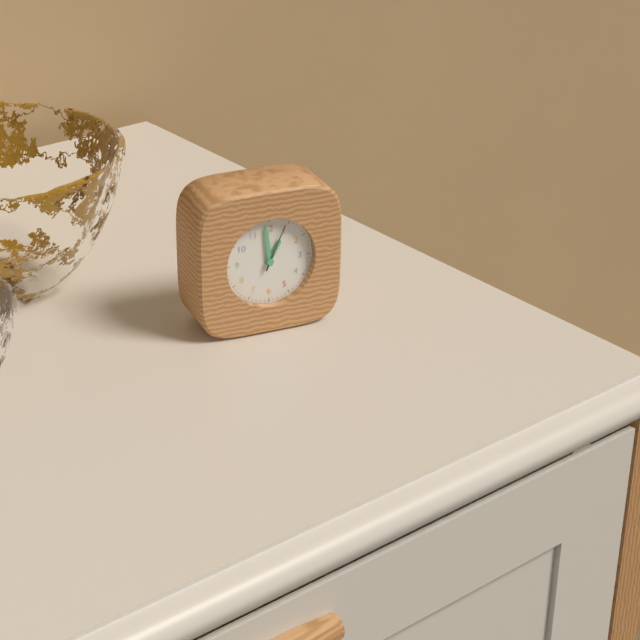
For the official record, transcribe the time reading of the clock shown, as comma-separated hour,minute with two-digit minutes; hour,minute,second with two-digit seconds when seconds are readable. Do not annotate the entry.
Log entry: 12,59
